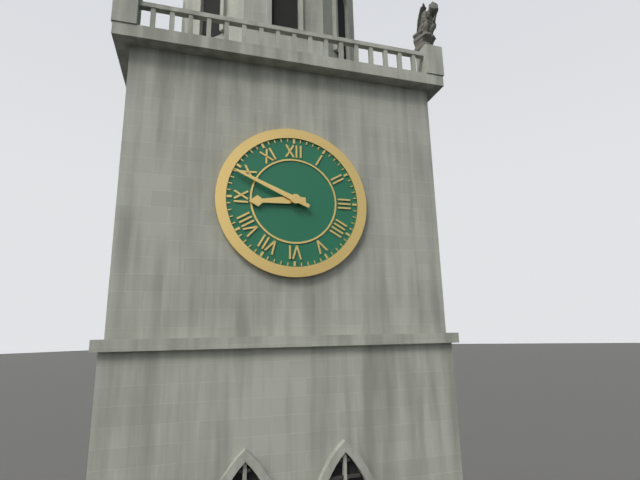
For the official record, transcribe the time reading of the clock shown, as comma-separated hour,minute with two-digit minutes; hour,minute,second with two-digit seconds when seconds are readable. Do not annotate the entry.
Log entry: 8,49
